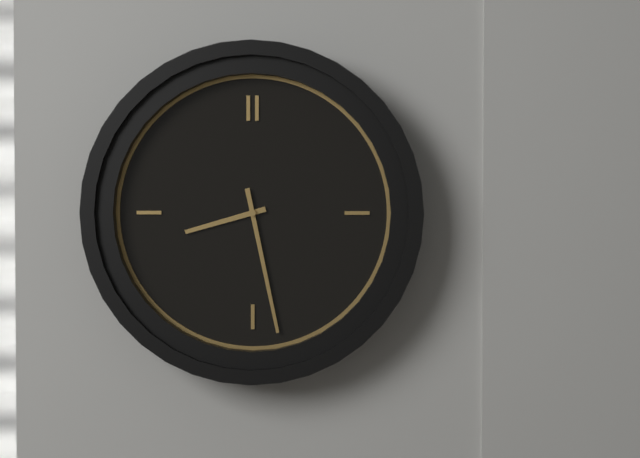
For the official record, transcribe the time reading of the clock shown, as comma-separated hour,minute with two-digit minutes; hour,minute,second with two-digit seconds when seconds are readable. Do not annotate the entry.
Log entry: 8,28
